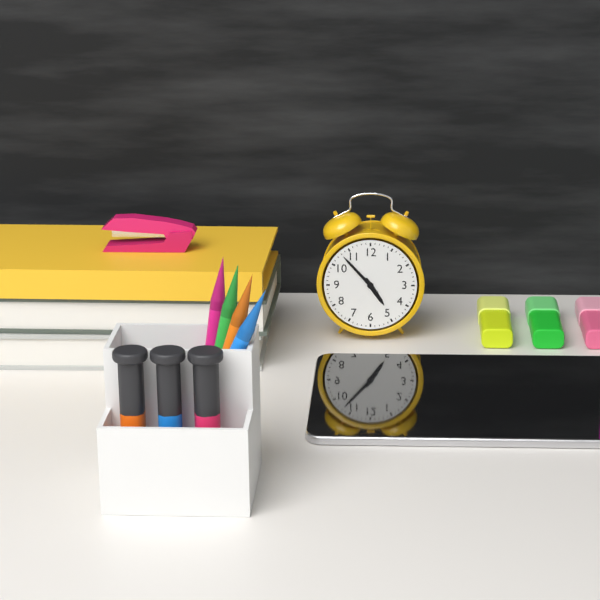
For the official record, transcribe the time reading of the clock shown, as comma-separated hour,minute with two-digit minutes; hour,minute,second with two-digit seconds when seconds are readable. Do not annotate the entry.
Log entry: 4,53
